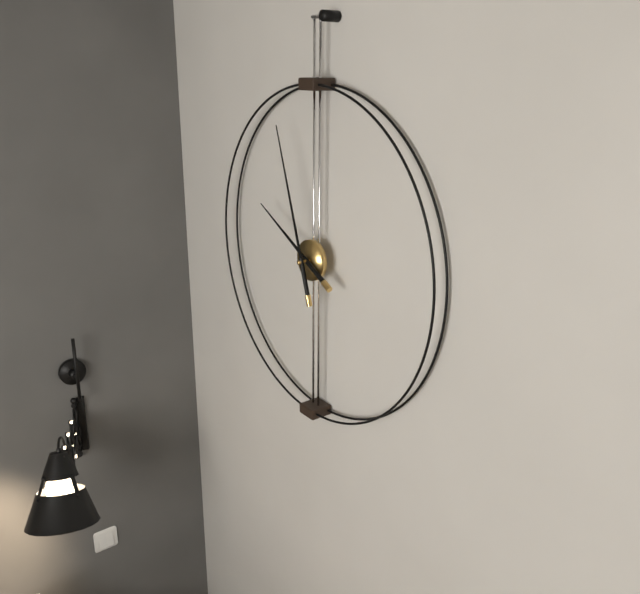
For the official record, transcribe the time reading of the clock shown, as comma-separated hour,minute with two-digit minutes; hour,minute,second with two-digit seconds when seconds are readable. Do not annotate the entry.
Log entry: 9,57
